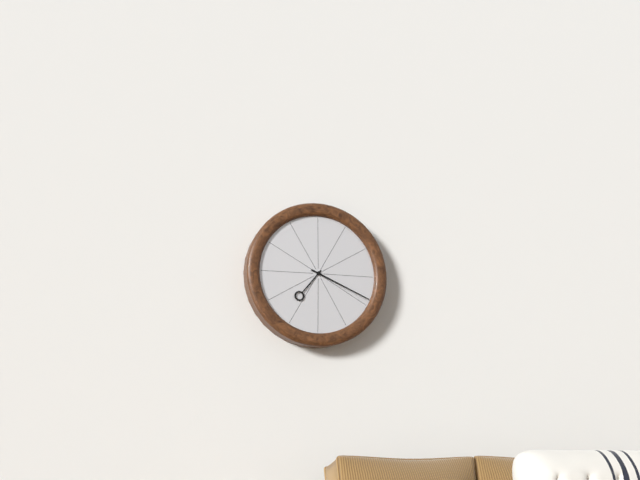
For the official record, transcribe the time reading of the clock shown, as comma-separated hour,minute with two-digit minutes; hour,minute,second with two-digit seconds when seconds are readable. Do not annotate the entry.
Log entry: 7,19
